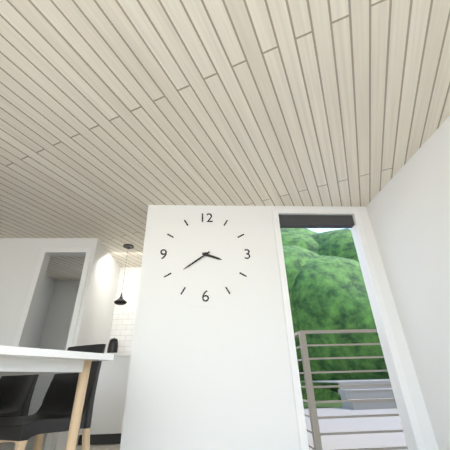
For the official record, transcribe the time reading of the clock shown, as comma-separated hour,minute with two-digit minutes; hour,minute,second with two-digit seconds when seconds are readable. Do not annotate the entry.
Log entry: 3,39
